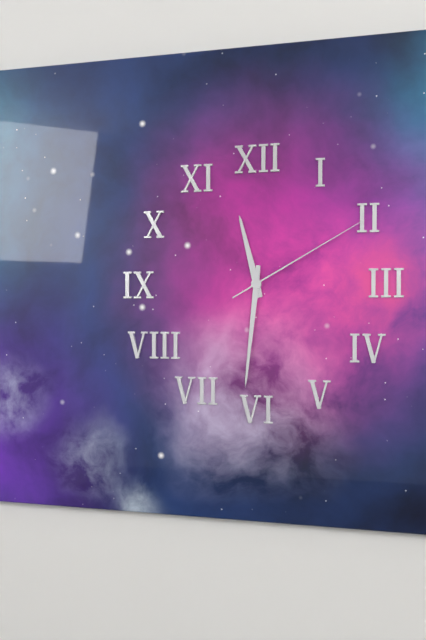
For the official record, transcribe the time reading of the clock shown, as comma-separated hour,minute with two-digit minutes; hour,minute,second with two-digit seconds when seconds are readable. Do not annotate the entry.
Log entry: 11,31,10
